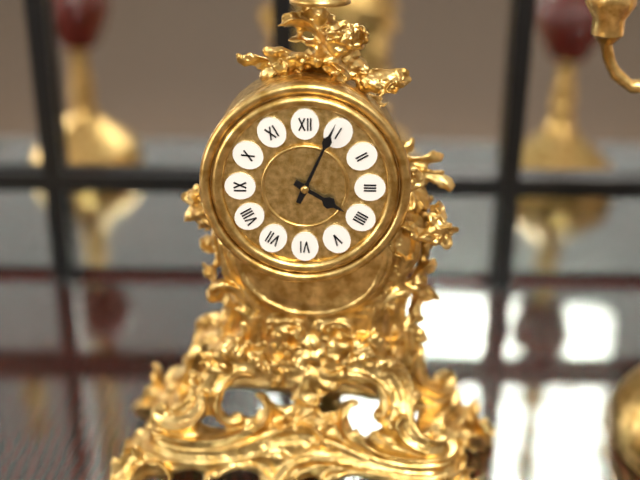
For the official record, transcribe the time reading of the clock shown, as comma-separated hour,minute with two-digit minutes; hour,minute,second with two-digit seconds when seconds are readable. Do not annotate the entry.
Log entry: 4,04
